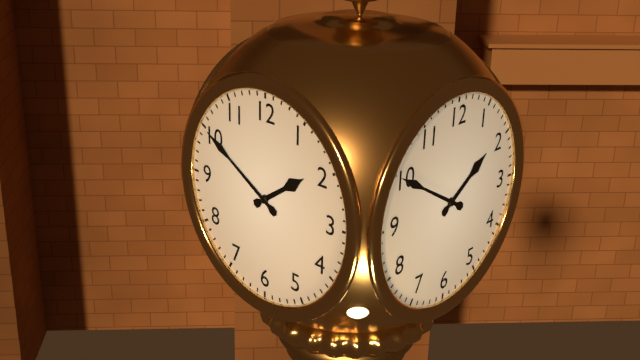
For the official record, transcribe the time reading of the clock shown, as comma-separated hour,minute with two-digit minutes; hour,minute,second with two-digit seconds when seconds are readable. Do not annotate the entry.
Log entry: 1,50
